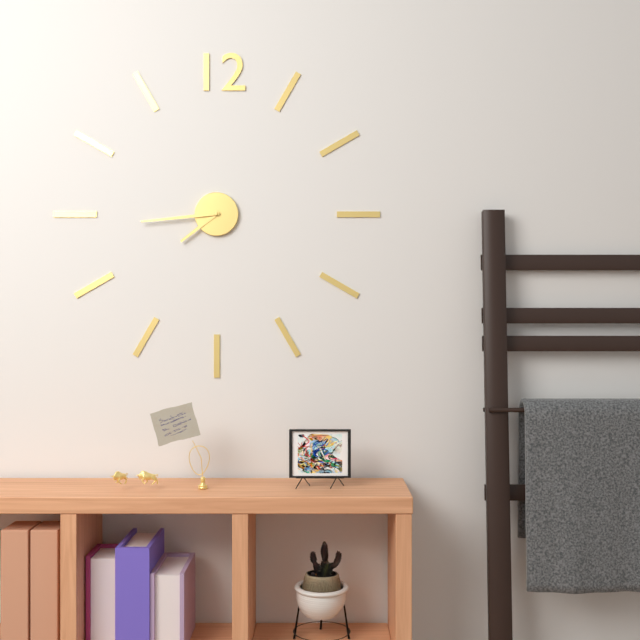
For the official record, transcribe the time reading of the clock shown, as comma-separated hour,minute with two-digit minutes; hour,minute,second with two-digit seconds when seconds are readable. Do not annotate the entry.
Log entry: 7,44
